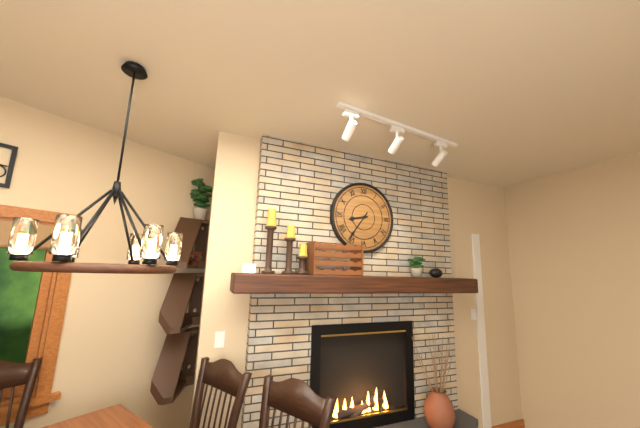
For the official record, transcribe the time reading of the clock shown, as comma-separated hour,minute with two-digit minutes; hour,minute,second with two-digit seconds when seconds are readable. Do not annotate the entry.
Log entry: 8,36
